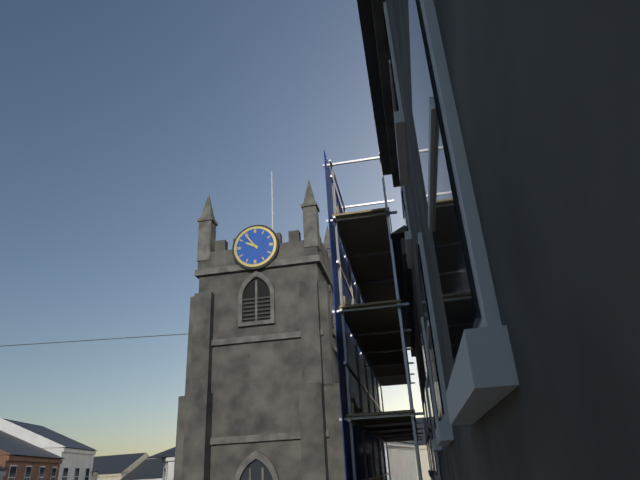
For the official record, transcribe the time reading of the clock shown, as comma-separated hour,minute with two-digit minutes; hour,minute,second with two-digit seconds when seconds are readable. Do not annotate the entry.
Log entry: 9,54
